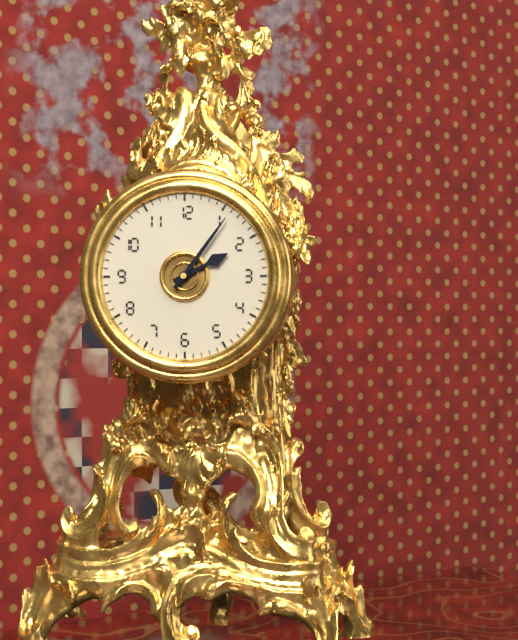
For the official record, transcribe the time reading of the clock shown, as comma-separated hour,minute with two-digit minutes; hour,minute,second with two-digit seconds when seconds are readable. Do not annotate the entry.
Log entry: 2,06
